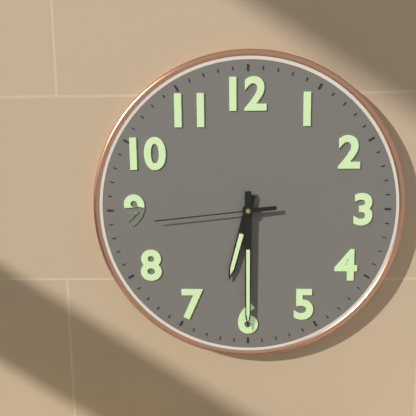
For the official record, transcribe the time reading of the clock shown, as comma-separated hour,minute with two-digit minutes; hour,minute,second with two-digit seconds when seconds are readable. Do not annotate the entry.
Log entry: 6,30,44
